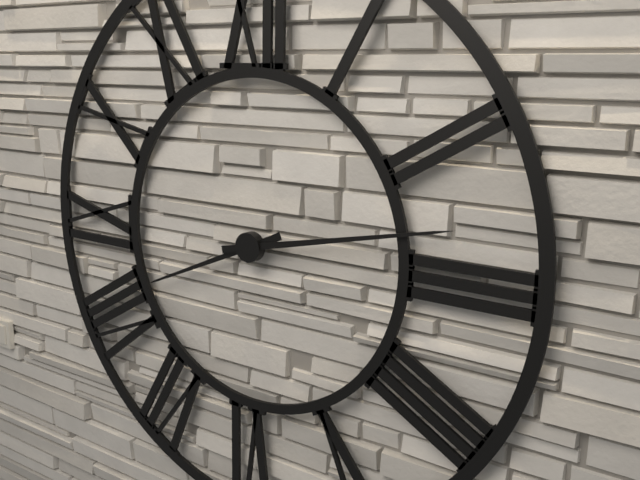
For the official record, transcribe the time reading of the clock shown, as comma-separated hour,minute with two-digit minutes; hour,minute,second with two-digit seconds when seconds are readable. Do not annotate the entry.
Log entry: 8,13
